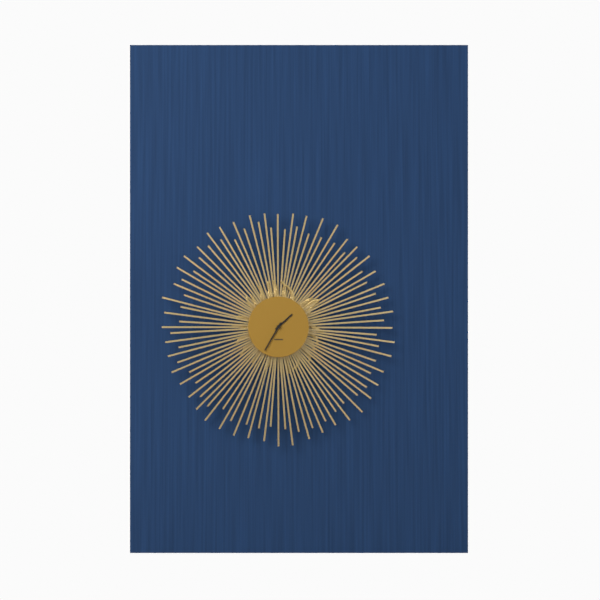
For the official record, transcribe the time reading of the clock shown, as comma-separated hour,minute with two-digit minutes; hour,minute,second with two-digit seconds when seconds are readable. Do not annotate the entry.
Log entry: 1,35
